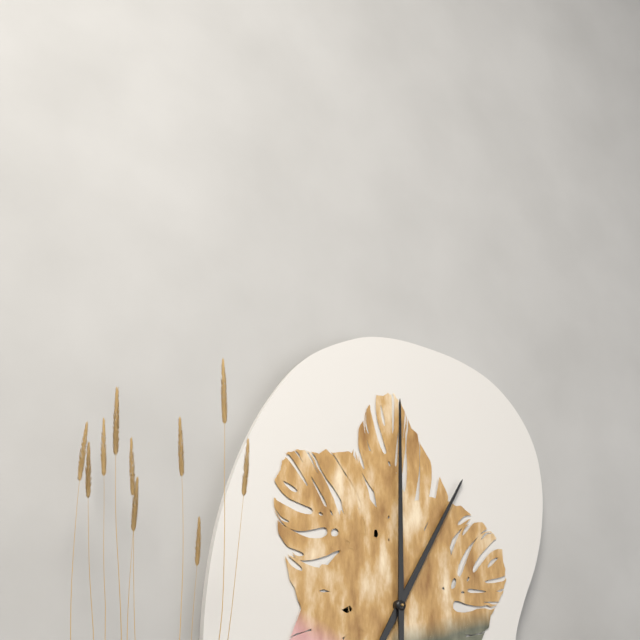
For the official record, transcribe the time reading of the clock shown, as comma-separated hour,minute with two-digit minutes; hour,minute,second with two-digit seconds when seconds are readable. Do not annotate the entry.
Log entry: 1,00
